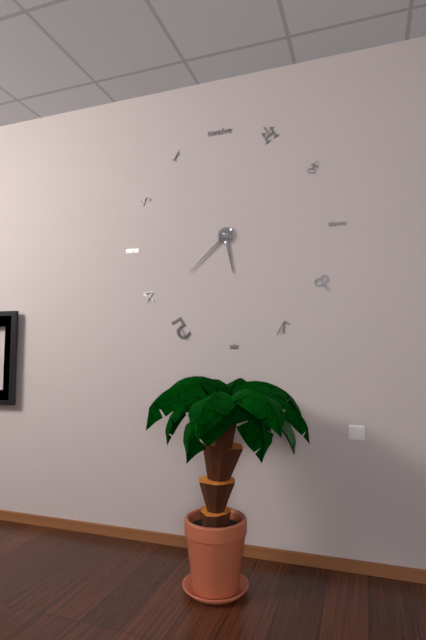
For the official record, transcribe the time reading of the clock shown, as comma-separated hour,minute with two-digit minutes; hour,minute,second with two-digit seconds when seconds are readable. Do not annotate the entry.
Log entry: 5,38
